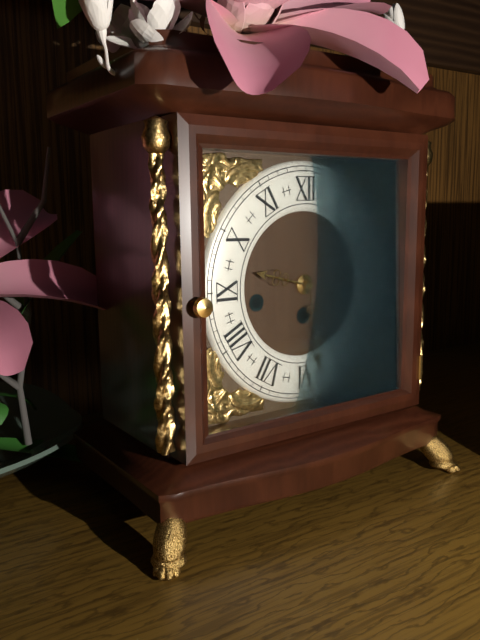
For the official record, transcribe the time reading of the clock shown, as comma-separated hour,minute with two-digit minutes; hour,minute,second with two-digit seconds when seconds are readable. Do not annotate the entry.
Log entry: 9,28
